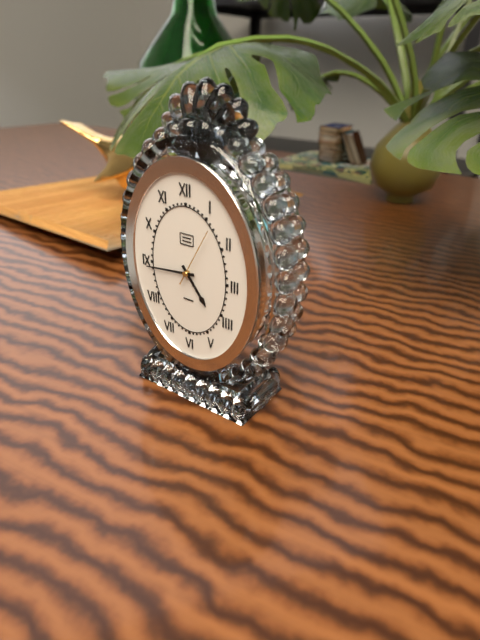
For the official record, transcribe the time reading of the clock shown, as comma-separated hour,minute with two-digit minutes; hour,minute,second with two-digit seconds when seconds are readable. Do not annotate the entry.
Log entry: 4,44
